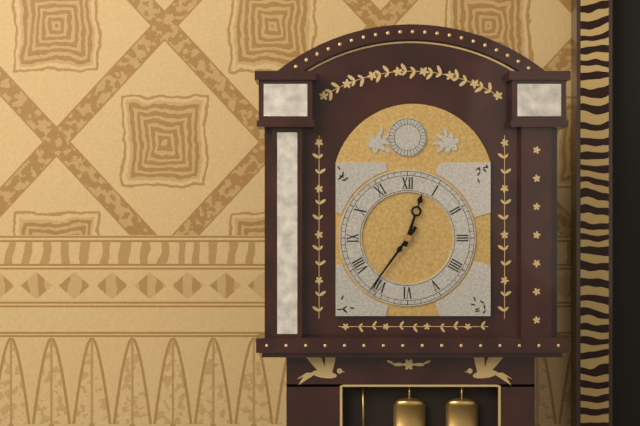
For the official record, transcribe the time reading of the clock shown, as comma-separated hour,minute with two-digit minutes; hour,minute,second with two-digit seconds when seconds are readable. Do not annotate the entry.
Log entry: 12,36
